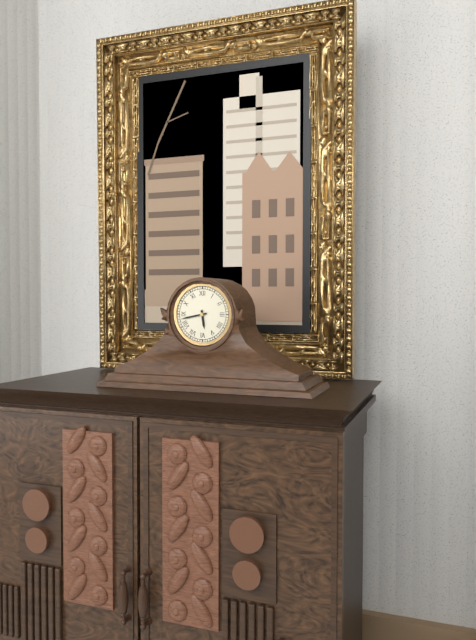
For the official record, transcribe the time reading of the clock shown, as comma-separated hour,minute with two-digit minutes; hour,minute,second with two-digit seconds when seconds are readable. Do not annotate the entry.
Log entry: 5,43
